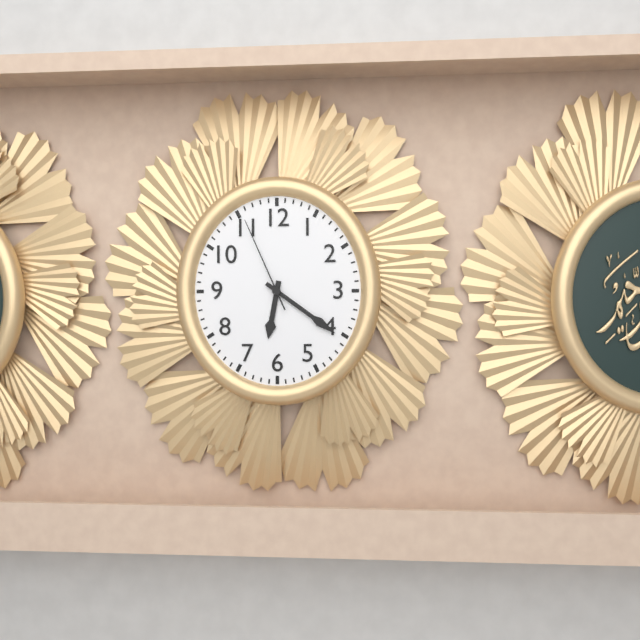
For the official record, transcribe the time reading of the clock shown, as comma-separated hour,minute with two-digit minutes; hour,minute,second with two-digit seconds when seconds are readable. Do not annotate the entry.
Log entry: 6,21,56
